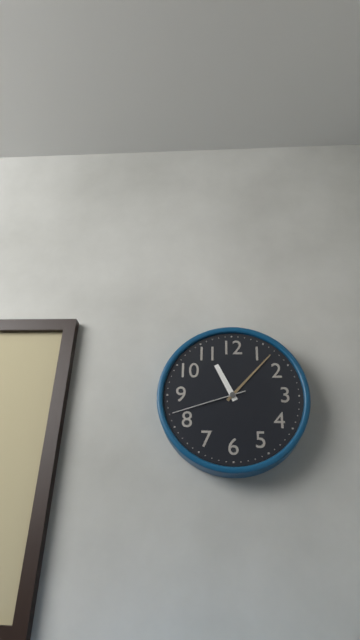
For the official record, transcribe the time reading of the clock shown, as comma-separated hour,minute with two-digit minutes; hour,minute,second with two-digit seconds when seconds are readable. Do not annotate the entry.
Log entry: 11,07,42
